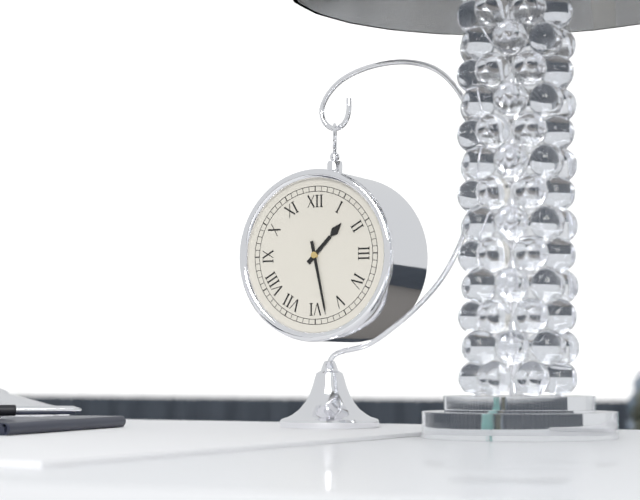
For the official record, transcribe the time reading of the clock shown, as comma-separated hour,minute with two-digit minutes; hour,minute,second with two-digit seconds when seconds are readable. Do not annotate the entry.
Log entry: 1,28
